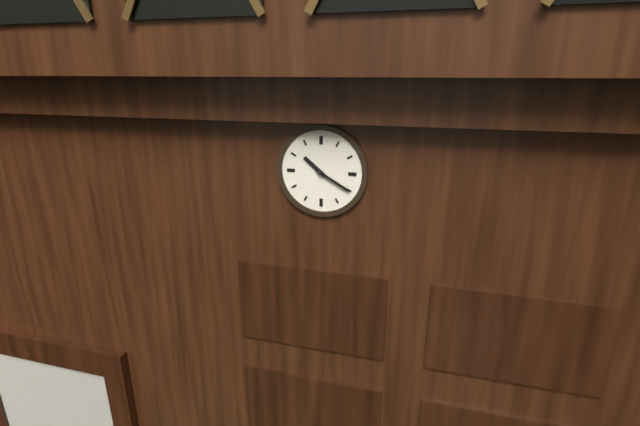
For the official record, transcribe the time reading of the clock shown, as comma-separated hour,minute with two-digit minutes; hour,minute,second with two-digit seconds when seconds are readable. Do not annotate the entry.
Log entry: 10,20
